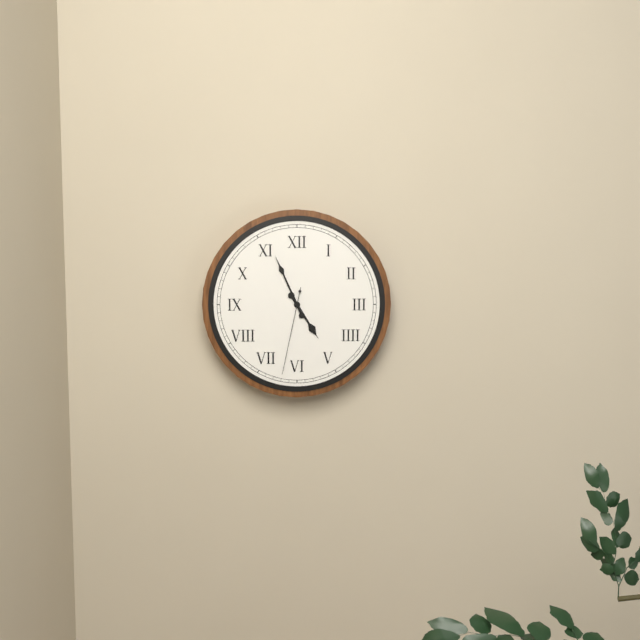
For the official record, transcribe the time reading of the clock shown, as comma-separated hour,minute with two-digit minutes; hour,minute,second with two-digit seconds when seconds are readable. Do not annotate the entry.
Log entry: 4,56,32
